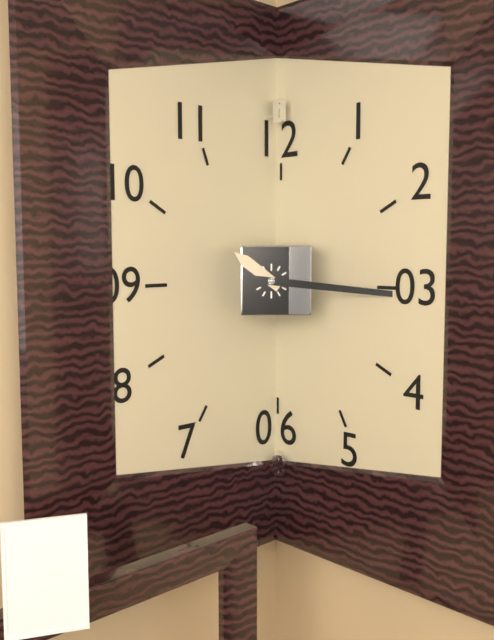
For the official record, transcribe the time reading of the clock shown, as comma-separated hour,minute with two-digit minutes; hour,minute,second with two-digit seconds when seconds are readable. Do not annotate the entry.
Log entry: 10,16
